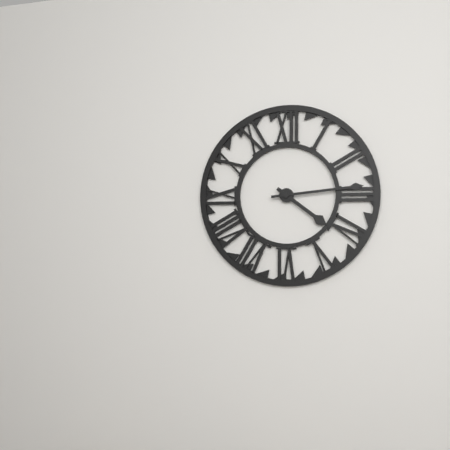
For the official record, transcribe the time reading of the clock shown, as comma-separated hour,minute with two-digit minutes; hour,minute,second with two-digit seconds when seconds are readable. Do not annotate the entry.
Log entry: 4,14
